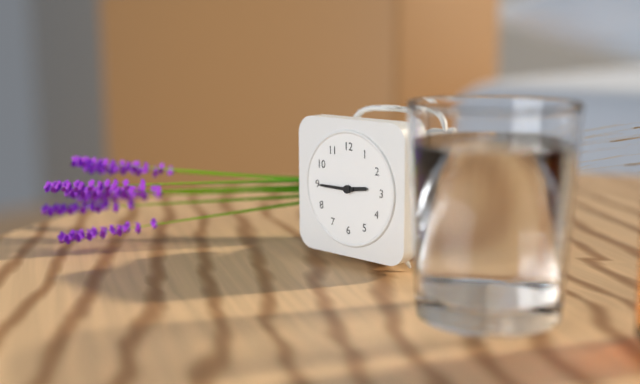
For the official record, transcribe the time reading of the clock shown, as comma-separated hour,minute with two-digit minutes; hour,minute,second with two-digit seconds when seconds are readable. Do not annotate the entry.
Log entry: 2,45
